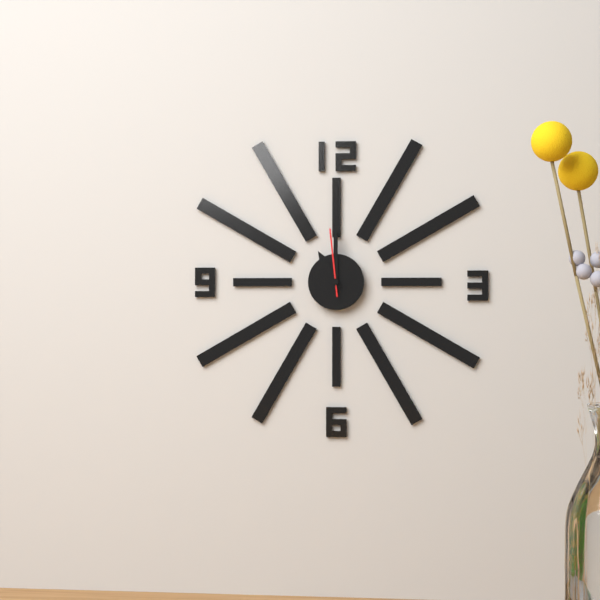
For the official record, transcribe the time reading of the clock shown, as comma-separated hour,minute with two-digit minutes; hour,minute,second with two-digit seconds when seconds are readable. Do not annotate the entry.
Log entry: 11,00,59
